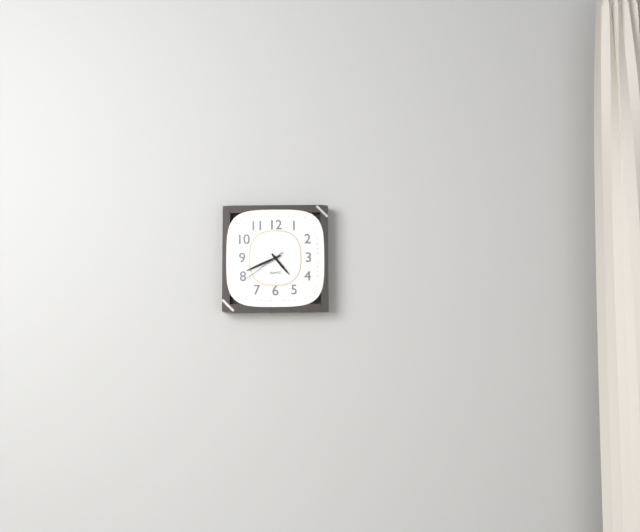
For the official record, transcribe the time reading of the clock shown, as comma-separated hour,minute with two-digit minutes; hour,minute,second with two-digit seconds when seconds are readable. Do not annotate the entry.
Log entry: 4,41
